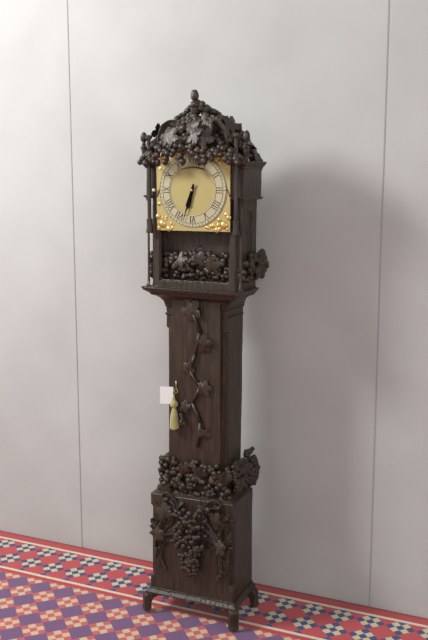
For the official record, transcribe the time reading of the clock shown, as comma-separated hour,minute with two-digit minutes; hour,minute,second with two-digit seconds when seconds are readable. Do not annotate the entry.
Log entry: 6,33
